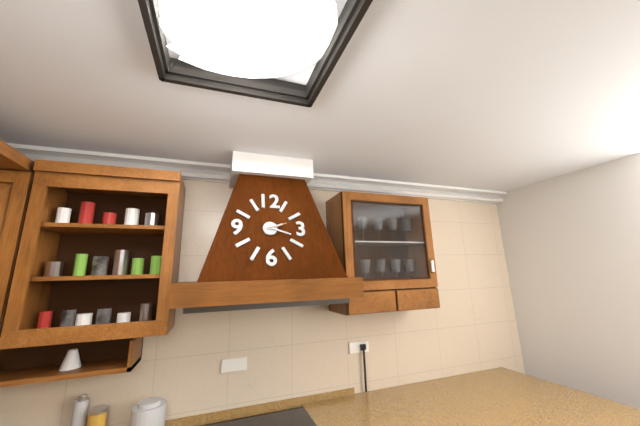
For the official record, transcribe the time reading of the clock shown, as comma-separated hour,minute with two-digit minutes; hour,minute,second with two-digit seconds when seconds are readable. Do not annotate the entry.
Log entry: 2,18
